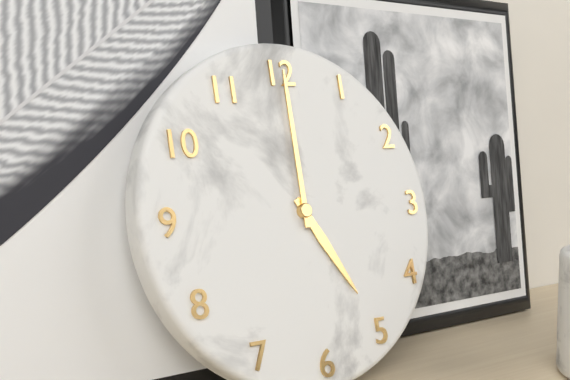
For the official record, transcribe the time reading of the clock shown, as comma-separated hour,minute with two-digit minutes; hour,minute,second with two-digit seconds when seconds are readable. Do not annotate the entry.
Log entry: 5,00
